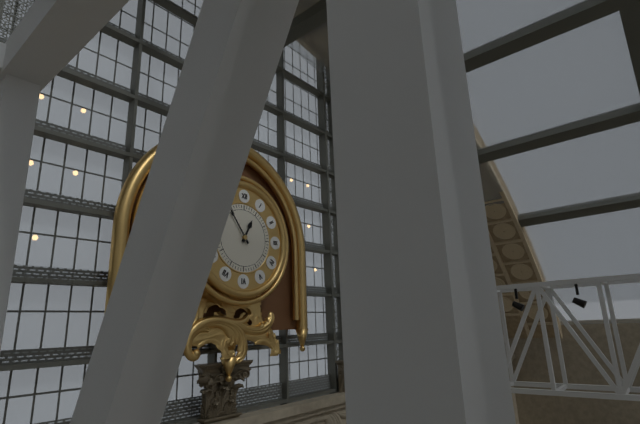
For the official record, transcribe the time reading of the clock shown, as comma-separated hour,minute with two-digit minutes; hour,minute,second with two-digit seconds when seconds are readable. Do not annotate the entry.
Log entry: 12,54
